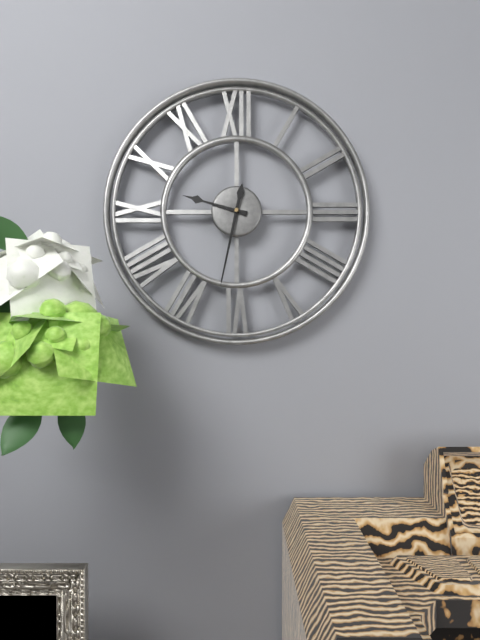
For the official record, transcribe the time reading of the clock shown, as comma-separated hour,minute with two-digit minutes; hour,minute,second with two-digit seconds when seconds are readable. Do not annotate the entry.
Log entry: 9,32
